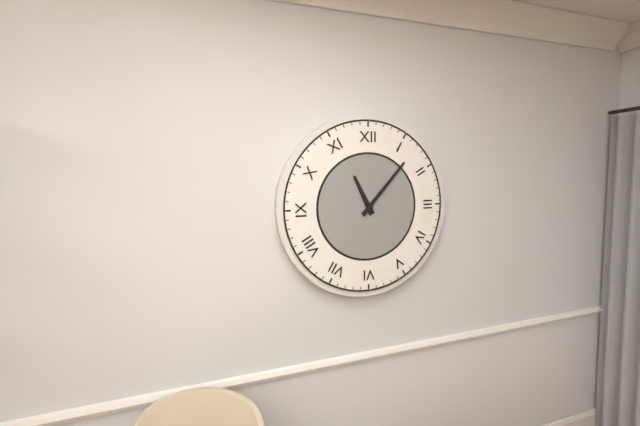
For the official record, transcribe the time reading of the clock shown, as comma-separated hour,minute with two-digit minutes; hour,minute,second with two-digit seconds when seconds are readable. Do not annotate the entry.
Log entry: 11,07
